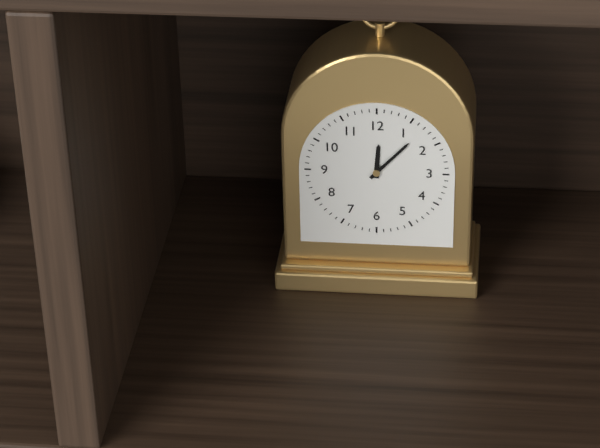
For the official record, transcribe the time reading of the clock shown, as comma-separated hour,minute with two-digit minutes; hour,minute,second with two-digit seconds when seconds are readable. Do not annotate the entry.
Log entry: 12,07
